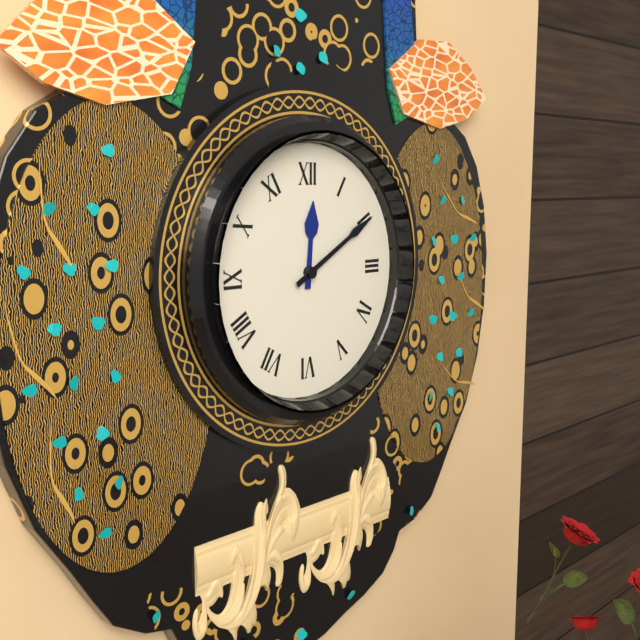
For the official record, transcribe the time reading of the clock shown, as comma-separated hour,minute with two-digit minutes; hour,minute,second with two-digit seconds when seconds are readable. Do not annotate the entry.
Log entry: 12,10
